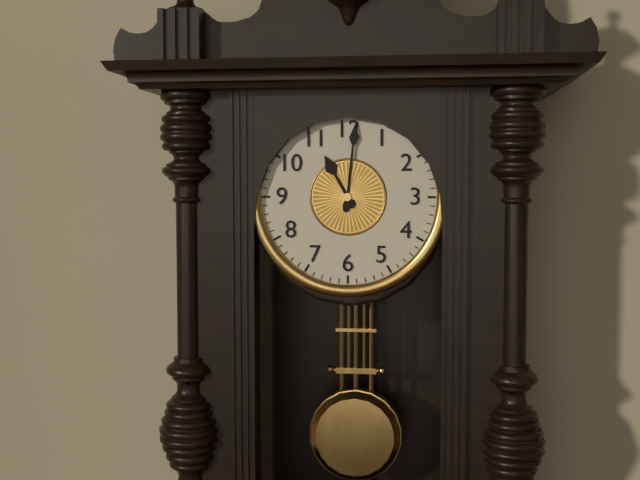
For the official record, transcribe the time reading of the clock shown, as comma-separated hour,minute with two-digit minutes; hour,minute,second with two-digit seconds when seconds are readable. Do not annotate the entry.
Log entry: 11,01
